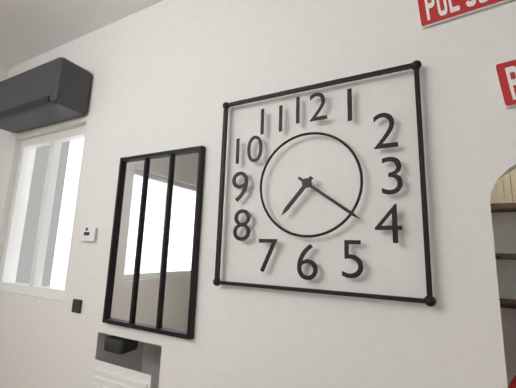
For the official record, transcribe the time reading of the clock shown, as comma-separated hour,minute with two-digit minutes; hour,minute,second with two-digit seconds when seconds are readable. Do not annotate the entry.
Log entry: 7,21
